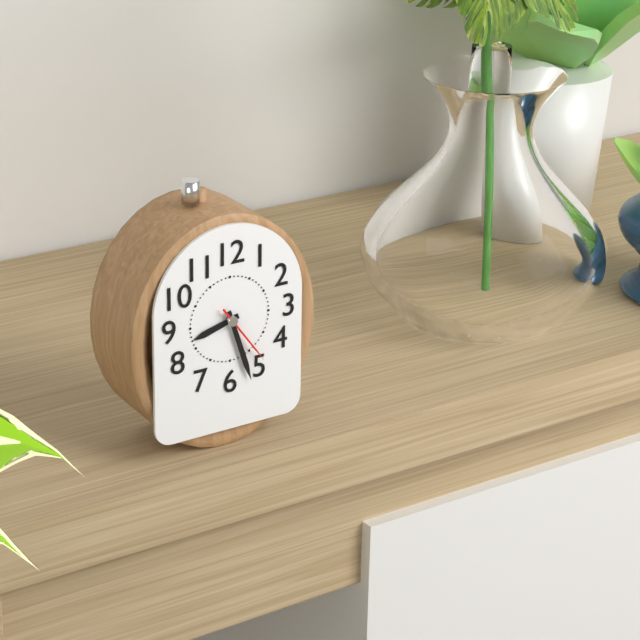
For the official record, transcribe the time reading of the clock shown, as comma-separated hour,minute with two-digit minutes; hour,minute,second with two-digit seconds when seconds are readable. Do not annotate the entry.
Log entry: 8,27,24
